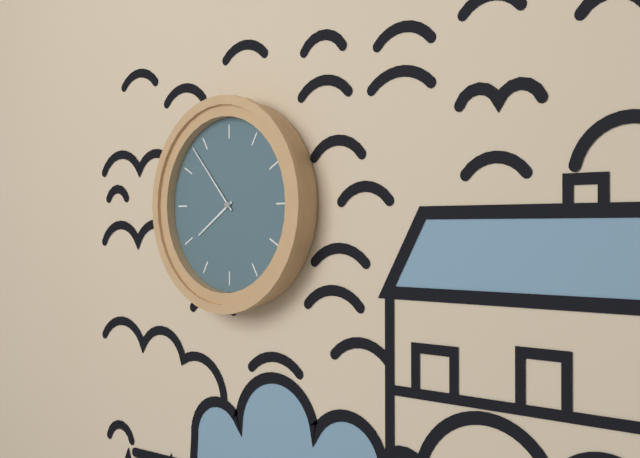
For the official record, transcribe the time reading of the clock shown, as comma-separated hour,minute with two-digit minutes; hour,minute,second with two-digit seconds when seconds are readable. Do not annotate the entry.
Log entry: 7,53
